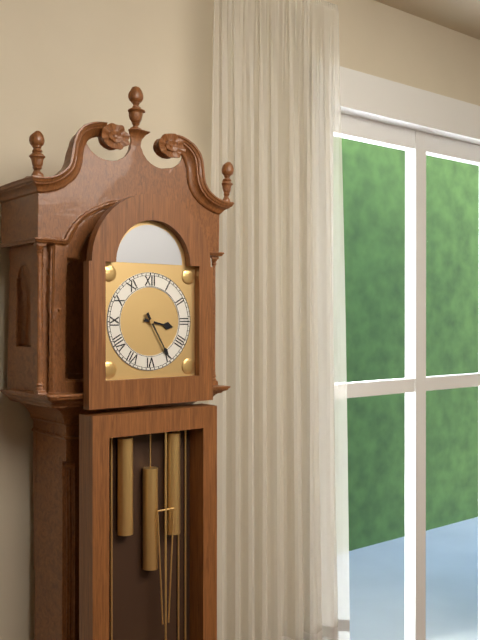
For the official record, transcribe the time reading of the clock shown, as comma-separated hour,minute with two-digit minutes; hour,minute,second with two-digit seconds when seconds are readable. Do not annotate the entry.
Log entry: 3,25
